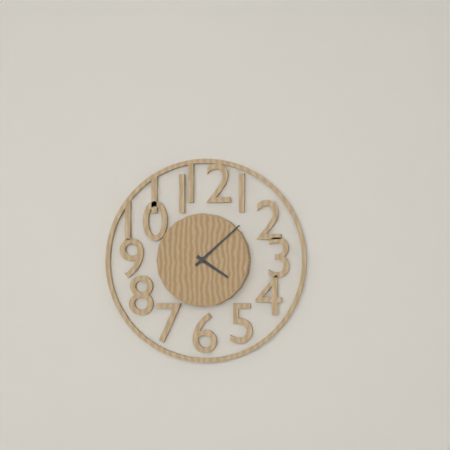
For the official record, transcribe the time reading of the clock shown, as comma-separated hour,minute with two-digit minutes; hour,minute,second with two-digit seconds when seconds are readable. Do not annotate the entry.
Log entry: 4,08
